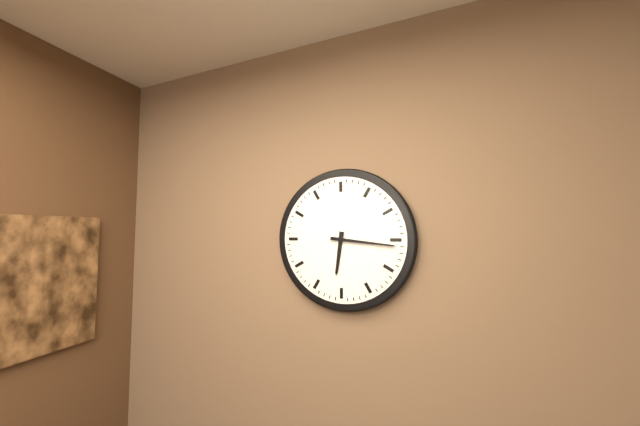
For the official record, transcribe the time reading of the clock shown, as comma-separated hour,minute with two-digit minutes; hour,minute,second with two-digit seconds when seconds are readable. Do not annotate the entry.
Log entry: 6,16
